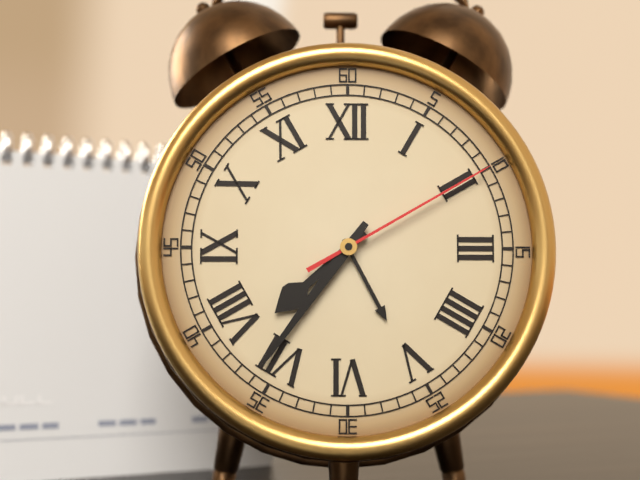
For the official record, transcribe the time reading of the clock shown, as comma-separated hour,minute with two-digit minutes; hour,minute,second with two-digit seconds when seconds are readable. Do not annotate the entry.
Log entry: 7,36,10
